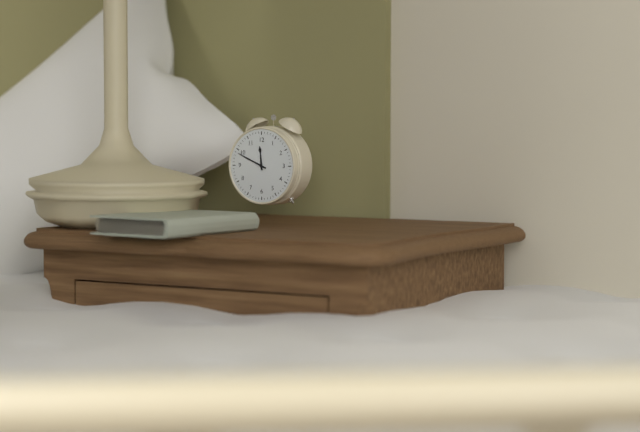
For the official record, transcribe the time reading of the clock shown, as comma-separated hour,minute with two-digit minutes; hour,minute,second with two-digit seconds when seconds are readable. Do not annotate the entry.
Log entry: 11,49
